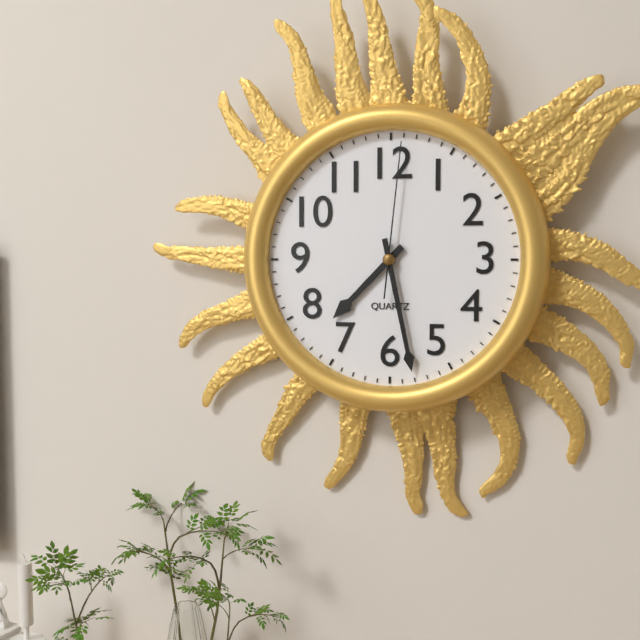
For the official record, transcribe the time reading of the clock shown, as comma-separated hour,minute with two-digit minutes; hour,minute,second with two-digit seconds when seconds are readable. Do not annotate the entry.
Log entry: 7,28,01
